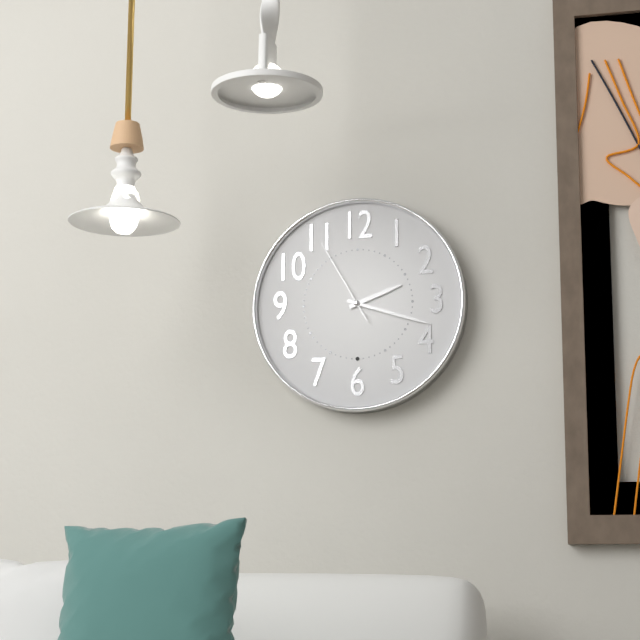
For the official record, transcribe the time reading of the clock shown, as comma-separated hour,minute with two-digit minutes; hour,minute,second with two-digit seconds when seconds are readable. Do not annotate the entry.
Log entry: 2,18,55
